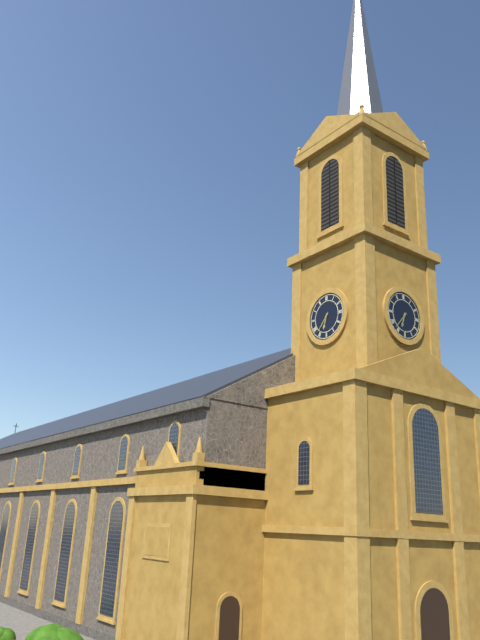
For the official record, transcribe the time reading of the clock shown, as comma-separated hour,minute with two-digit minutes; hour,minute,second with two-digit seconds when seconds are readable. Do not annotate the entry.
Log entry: 6,37
